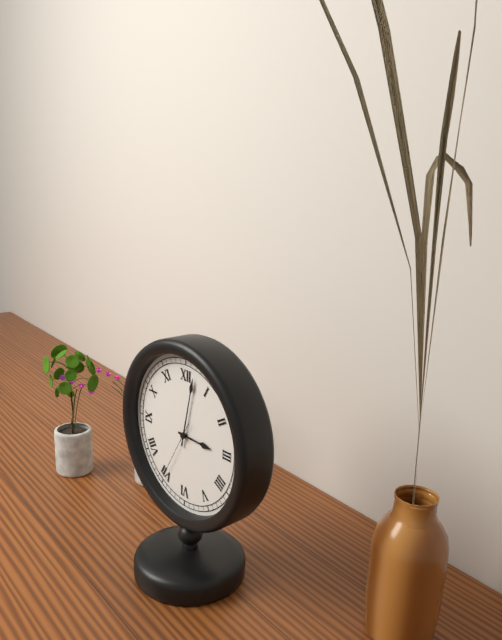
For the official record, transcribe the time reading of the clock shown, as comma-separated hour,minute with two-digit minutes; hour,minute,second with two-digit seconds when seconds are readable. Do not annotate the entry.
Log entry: 3,02,35
